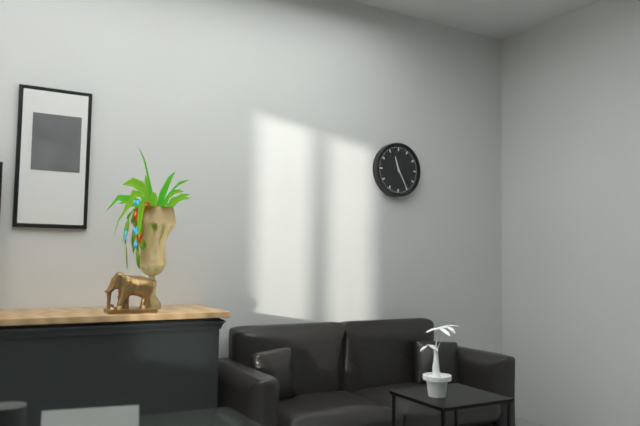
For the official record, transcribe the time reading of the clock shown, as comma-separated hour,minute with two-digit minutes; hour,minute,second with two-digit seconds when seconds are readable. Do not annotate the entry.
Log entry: 11,25
